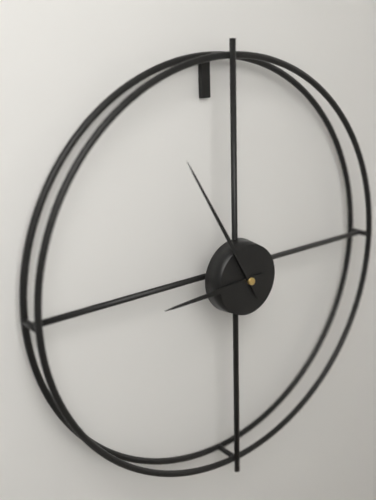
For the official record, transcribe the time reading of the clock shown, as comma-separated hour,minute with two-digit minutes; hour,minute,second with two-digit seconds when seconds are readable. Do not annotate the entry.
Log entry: 8,55
